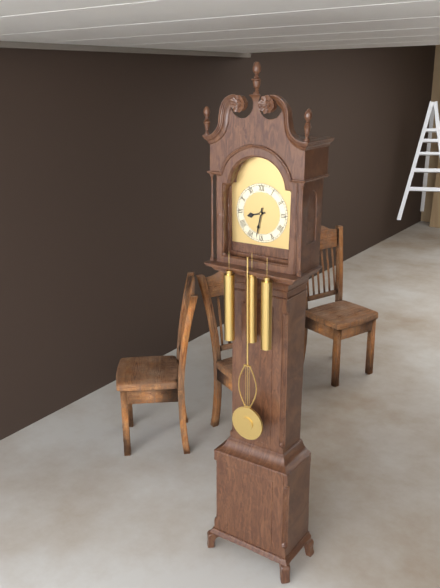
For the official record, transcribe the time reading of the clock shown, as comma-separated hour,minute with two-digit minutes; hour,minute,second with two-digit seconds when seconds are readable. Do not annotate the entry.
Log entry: 8,32
